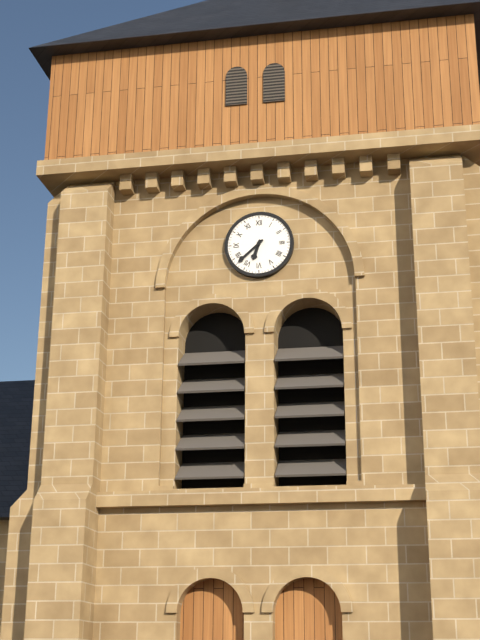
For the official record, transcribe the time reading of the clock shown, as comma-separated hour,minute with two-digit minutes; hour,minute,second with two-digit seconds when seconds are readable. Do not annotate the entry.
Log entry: 6,38
